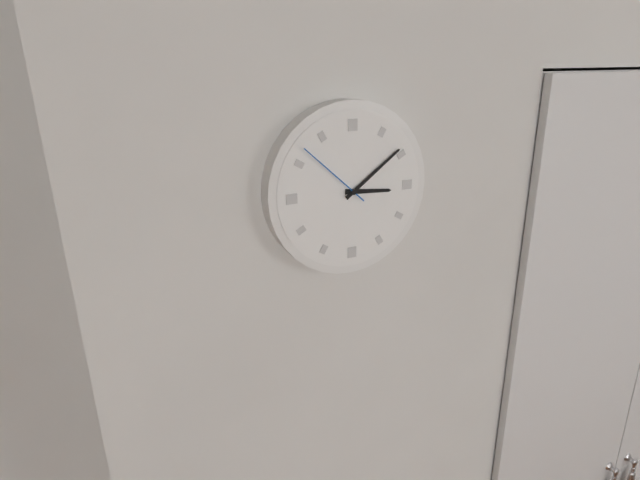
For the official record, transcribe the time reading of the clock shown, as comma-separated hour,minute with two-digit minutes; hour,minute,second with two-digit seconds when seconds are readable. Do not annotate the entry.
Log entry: 3,09,52
